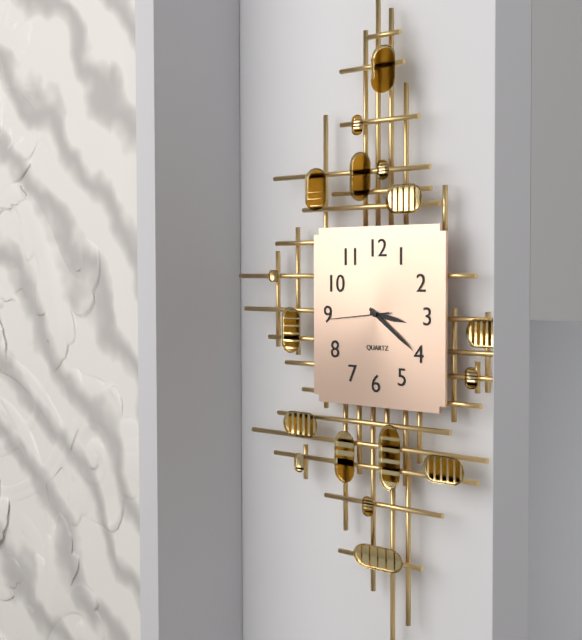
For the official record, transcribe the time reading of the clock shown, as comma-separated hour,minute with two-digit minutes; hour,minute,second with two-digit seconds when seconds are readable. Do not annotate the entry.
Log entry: 3,21,44
